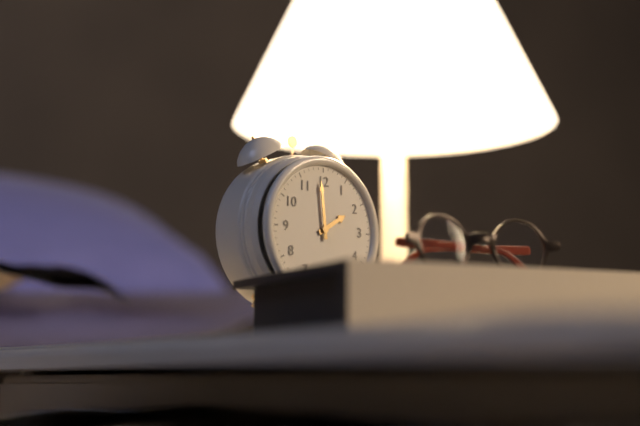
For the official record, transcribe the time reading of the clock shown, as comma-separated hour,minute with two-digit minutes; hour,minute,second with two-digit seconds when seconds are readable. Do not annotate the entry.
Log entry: 1,59
